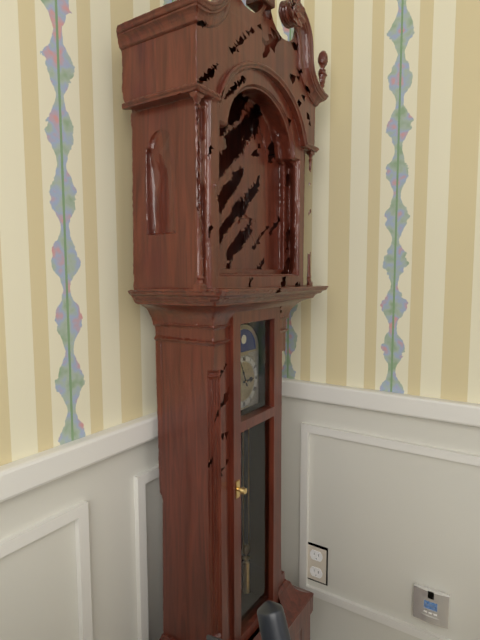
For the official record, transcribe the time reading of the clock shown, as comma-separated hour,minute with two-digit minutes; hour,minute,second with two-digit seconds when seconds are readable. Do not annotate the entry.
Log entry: 2,56
